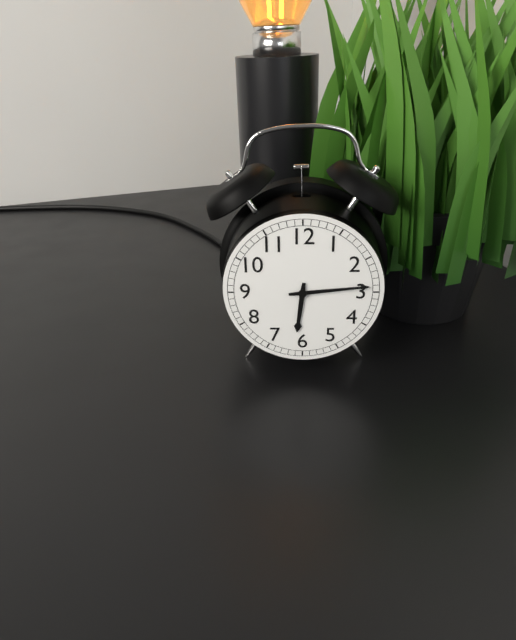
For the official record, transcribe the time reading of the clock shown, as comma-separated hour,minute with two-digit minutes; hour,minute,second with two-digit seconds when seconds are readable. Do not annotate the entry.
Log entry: 6,14
